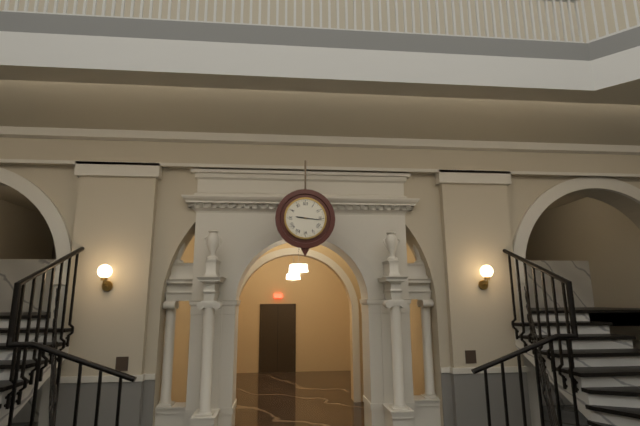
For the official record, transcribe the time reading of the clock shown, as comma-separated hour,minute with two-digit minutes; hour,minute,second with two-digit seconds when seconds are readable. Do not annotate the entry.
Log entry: 9,16
